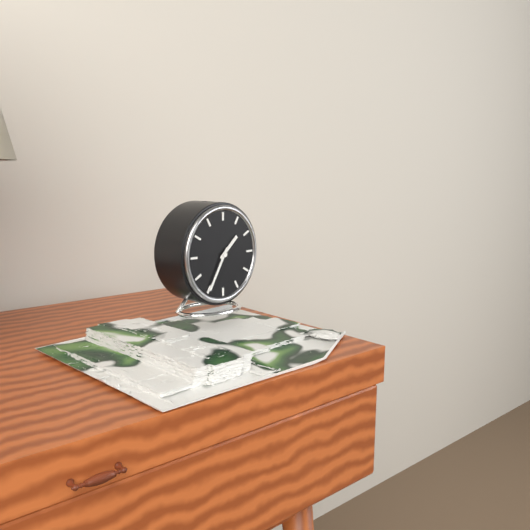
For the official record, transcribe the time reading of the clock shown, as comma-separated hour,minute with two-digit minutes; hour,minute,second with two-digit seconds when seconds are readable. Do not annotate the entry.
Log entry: 1,35
